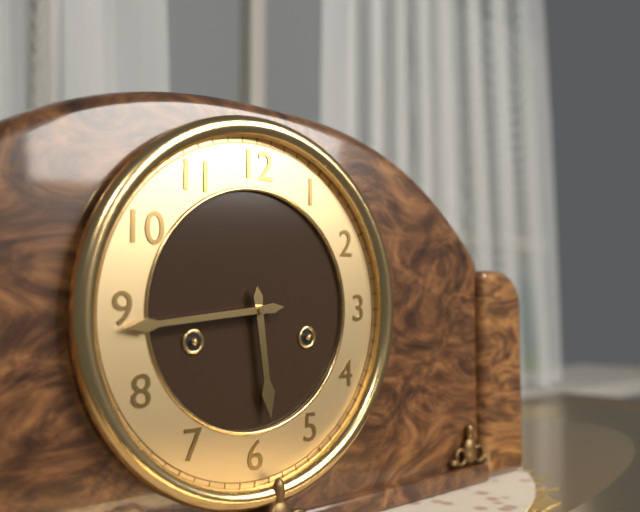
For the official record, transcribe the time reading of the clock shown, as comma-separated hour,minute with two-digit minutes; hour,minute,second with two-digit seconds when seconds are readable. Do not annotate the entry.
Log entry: 5,44
